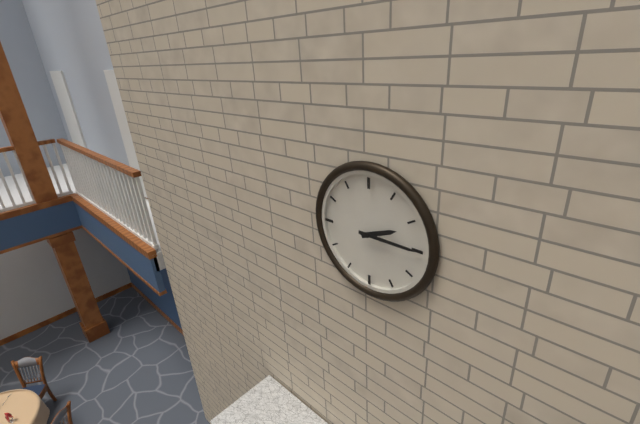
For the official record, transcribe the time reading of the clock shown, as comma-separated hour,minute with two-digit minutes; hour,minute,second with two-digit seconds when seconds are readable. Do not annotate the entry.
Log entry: 2,15
